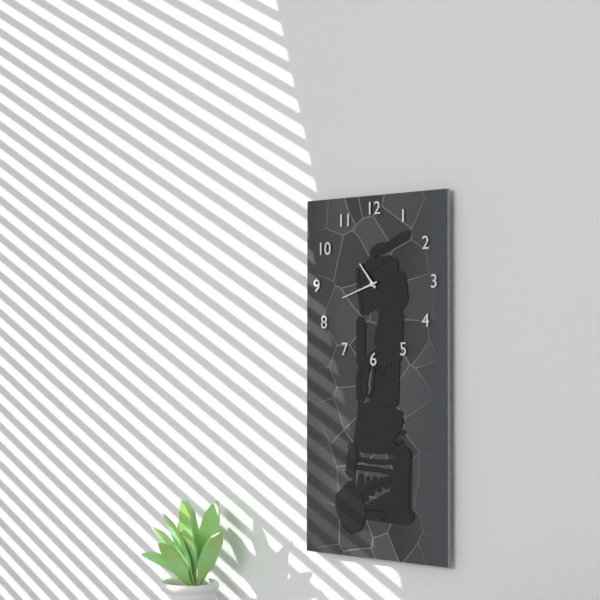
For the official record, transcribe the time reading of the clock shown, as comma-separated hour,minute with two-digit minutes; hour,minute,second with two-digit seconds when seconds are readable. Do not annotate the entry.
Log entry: 10,42
